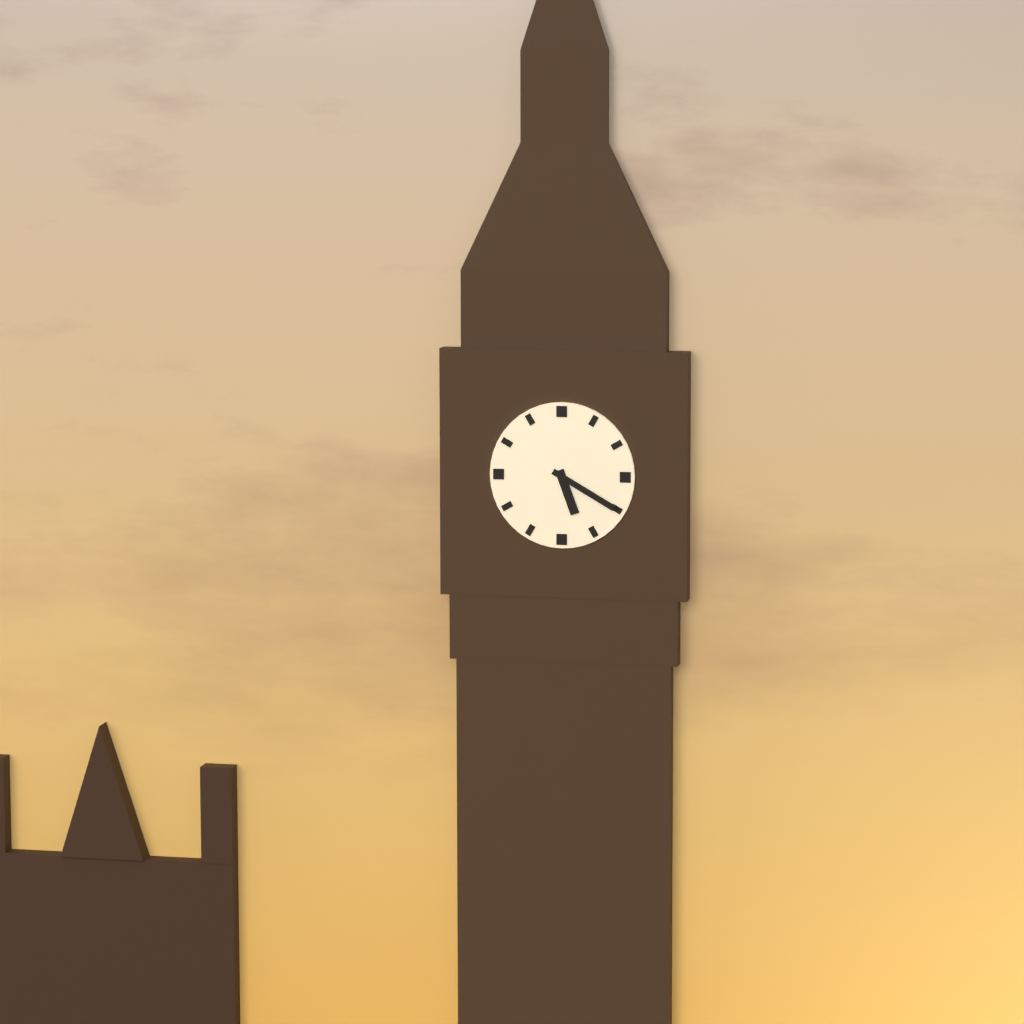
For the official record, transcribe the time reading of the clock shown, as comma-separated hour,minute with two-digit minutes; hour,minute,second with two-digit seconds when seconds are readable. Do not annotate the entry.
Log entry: 5,20
